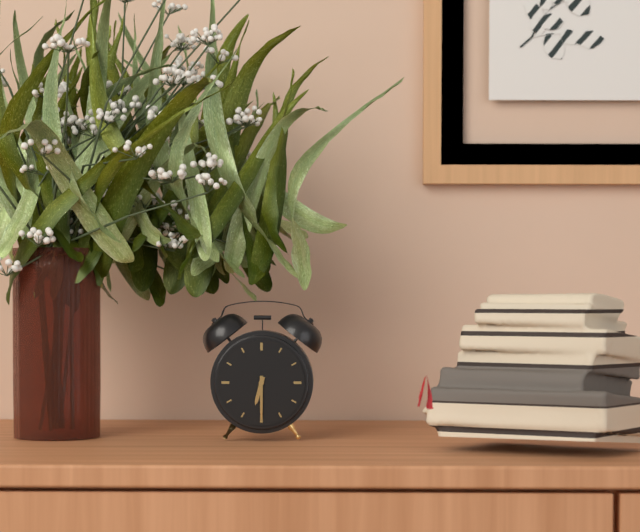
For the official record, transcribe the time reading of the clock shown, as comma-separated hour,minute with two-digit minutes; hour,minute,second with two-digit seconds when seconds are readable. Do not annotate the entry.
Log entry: 6,30
